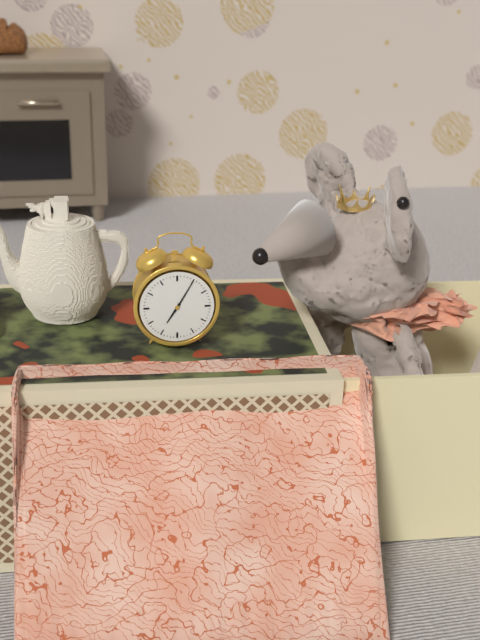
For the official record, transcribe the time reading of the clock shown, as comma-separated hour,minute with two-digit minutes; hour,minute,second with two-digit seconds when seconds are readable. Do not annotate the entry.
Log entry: 7,05
